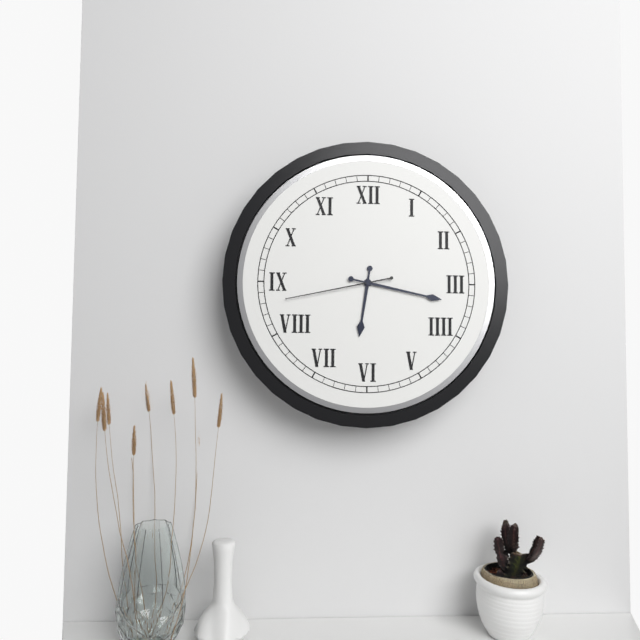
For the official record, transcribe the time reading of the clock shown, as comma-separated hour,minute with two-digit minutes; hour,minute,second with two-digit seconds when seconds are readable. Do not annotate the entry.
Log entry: 6,17,43
